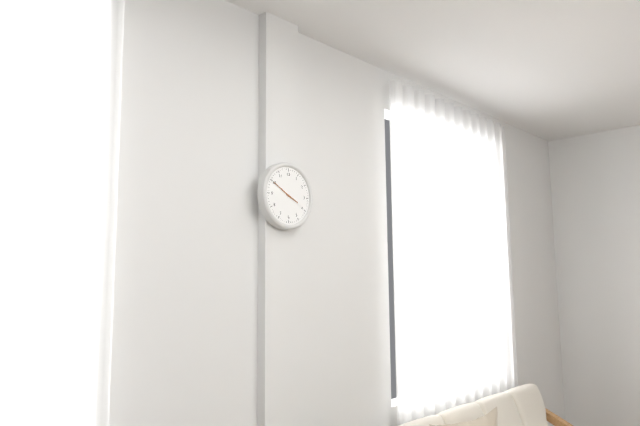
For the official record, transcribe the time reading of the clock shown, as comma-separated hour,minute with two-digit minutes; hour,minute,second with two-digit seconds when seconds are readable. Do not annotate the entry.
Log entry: 3,50
